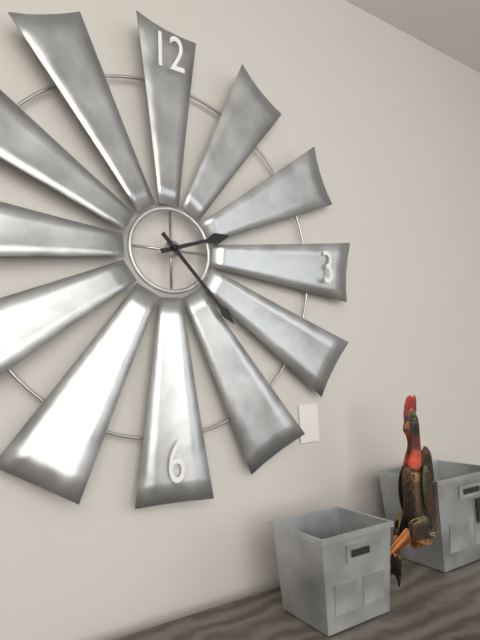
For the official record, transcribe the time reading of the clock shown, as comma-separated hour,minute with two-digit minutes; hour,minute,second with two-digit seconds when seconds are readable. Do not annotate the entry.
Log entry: 2,23
